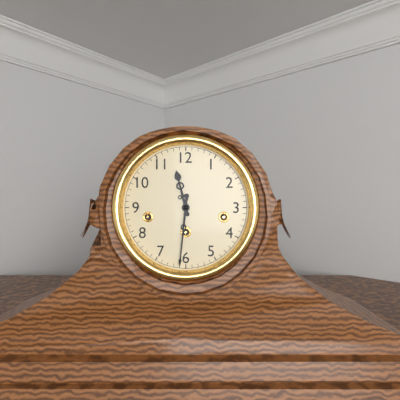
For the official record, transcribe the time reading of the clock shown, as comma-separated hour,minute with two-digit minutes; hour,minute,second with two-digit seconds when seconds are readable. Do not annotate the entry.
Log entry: 11,31
